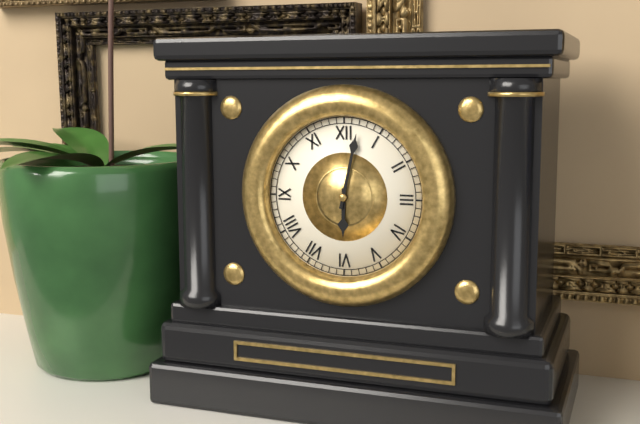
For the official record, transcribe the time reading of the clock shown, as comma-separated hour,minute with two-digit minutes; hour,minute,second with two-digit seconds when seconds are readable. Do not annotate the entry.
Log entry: 6,02
